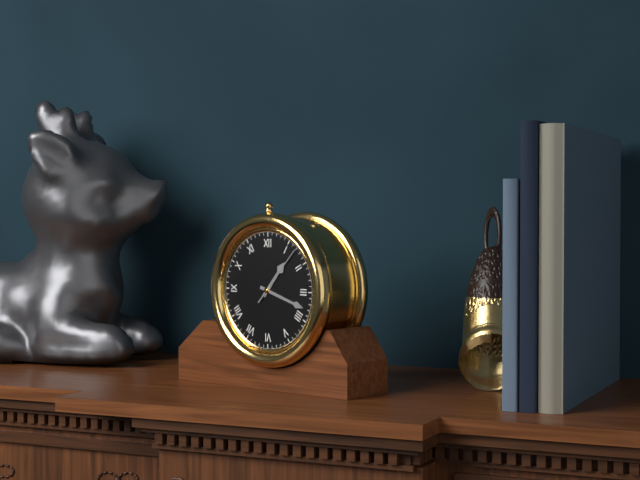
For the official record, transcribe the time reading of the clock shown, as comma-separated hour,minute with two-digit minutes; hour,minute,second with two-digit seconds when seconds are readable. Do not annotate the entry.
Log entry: 1,18
